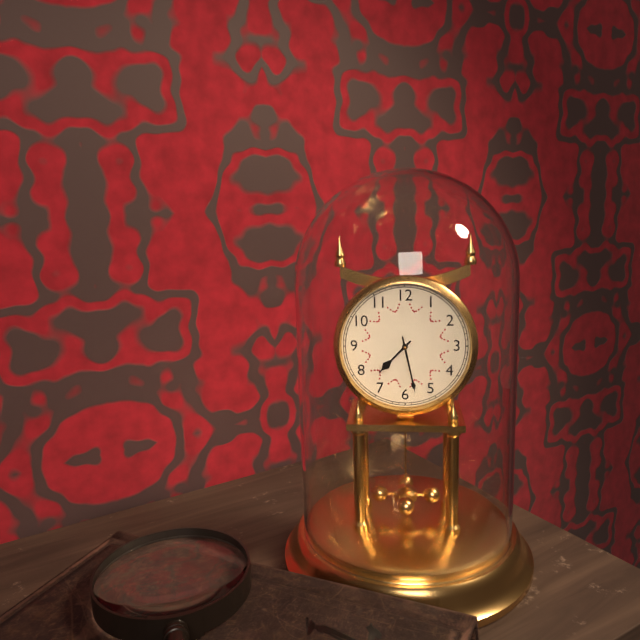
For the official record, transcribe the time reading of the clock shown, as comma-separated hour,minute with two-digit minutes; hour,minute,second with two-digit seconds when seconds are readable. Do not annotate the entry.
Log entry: 7,28
